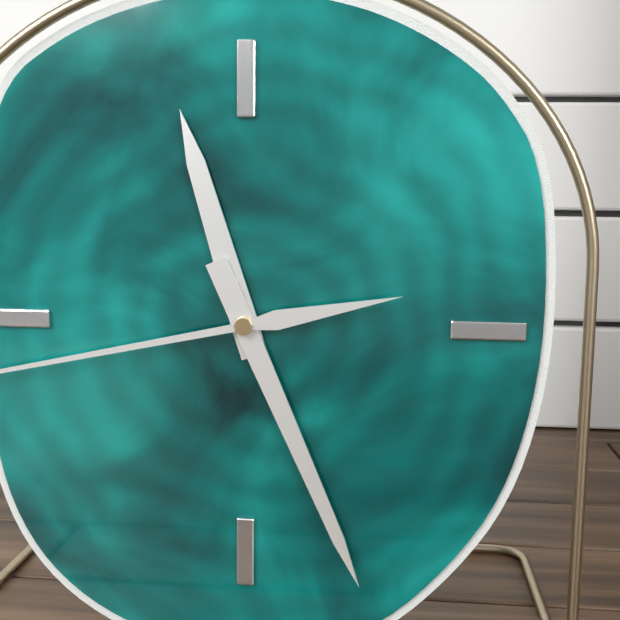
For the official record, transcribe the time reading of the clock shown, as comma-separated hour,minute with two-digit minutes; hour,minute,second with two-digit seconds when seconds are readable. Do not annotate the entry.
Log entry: 11,26
